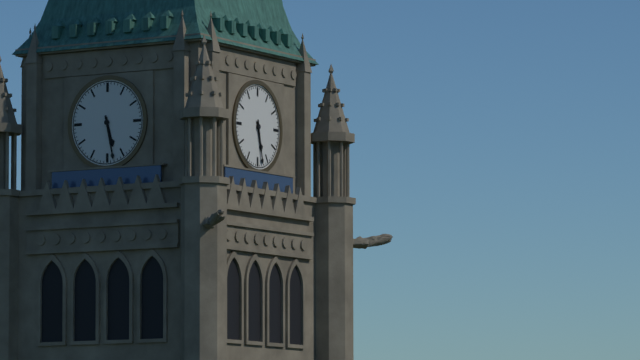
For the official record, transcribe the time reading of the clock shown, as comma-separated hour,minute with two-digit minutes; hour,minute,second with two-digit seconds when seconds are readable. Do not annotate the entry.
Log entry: 5,28
